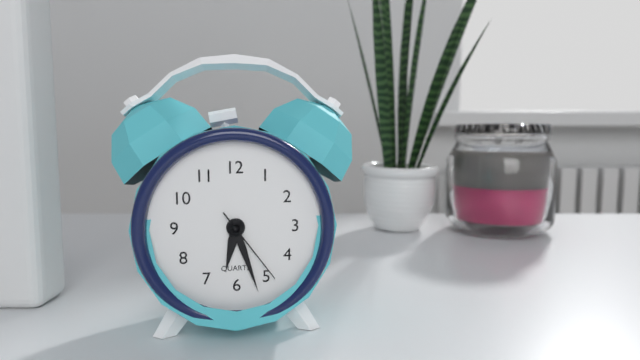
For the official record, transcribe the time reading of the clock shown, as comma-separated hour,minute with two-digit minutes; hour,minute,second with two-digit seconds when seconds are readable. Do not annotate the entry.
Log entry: 6,27,24
